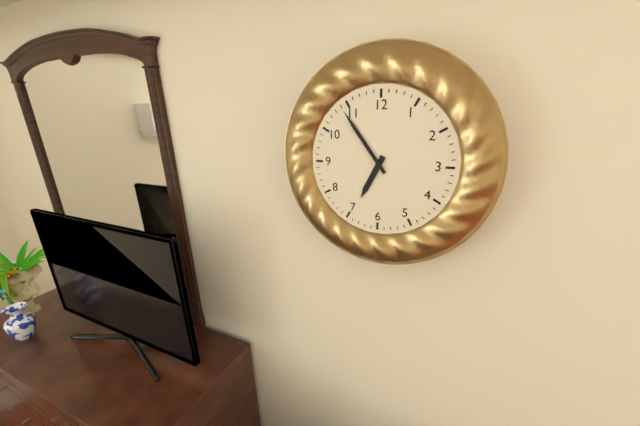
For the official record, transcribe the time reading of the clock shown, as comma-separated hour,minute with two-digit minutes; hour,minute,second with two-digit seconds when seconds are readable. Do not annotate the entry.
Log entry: 6,54
